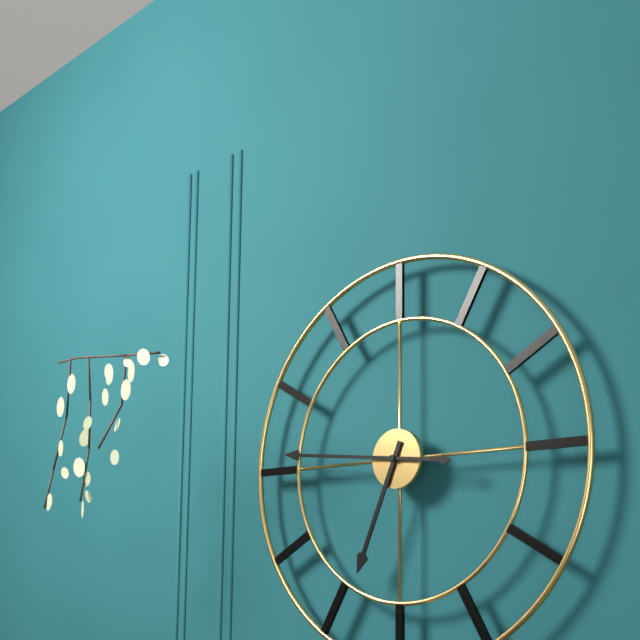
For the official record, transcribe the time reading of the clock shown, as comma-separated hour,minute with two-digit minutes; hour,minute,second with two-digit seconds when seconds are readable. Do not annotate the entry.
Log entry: 6,46
